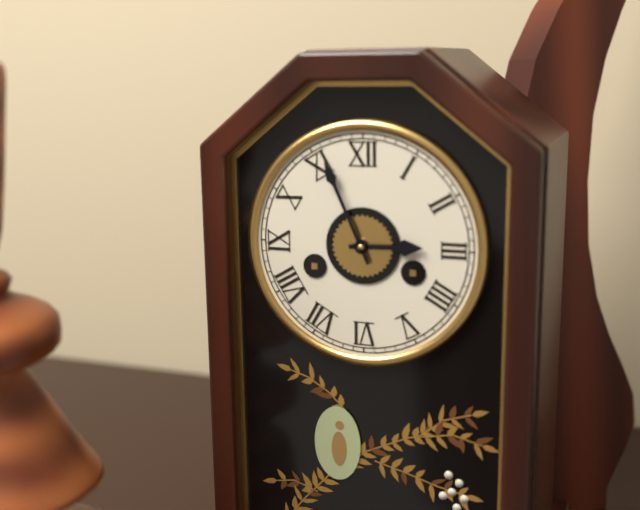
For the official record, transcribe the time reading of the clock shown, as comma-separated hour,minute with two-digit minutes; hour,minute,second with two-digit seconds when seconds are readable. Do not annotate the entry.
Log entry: 2,56
